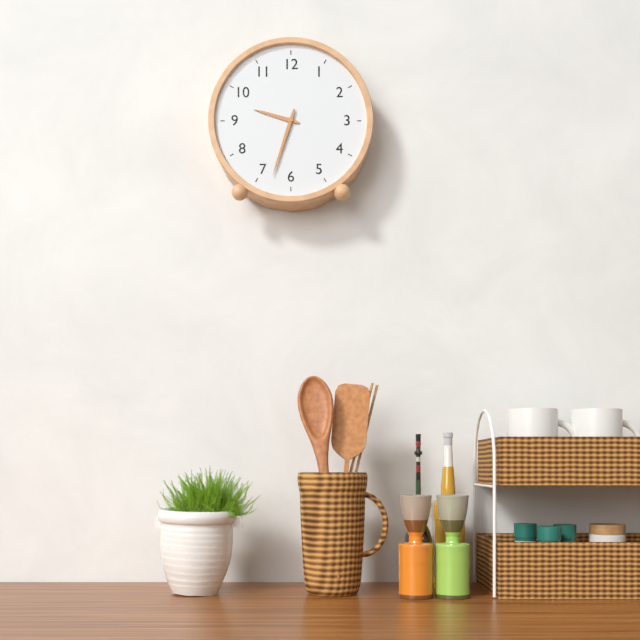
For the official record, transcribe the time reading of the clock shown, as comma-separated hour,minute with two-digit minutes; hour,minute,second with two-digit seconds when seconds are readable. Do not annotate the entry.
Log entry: 9,33
